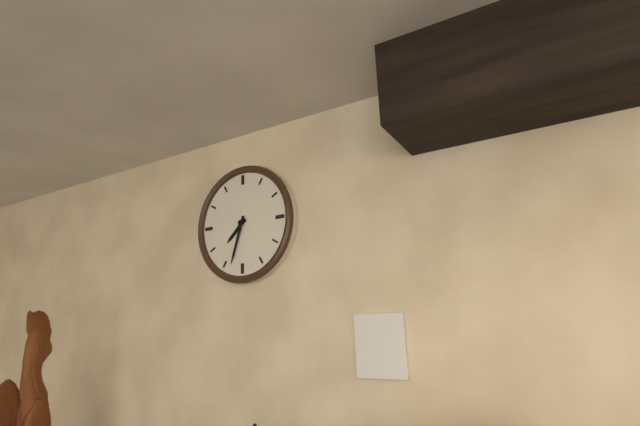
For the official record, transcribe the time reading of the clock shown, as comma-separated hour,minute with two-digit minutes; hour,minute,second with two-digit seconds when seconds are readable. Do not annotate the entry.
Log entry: 7,33
